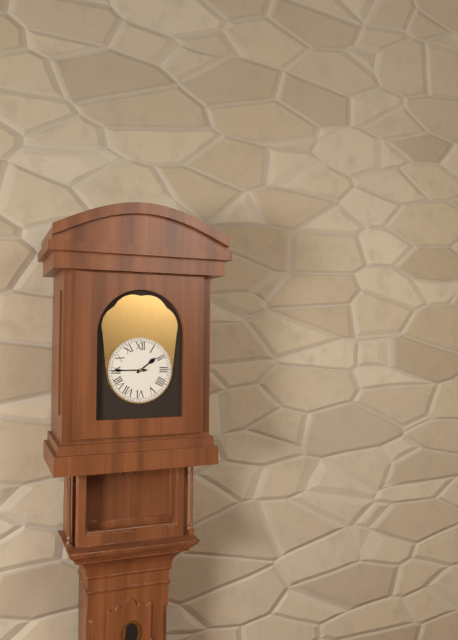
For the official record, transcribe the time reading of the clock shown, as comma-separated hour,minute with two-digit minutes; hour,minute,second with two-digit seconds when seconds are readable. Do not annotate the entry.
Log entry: 1,45
